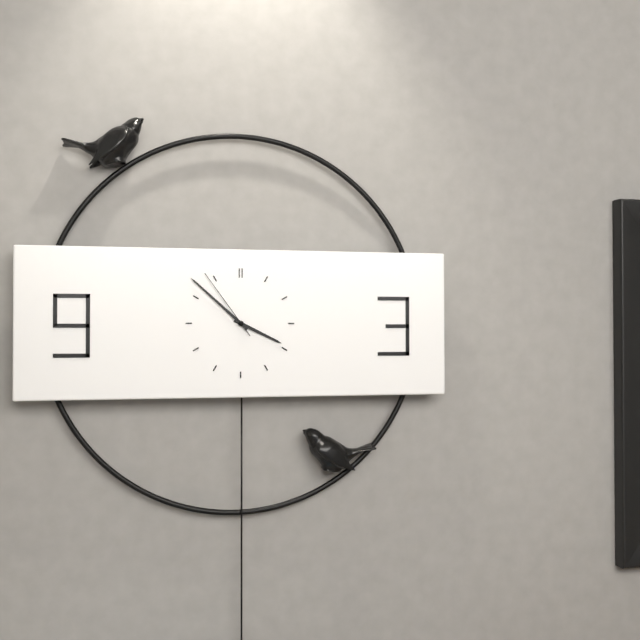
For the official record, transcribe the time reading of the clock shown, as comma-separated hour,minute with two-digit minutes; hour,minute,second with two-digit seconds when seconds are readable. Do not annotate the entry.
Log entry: 3,52,54
